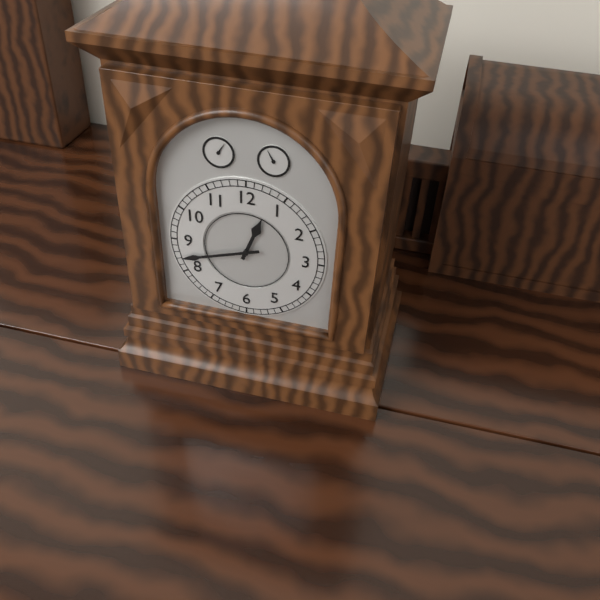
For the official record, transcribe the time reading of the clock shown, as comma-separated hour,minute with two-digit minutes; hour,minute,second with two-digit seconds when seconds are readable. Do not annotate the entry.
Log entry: 12,42
